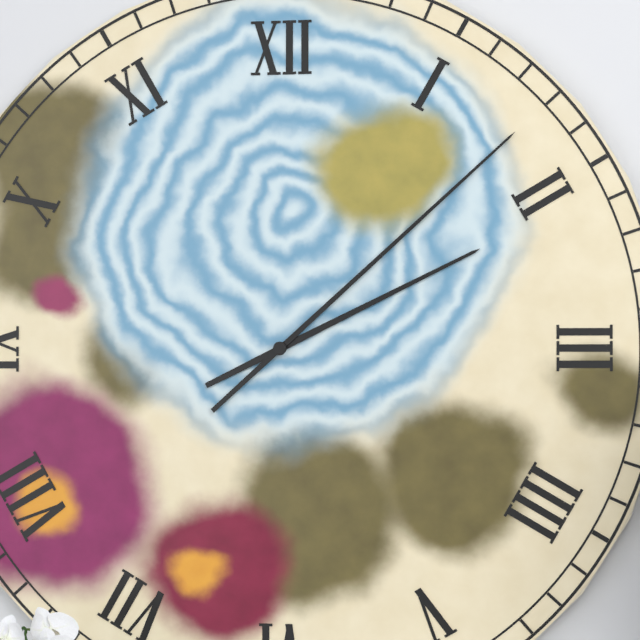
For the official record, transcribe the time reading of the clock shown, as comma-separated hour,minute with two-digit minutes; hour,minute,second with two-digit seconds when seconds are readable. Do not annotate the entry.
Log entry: 2,08
